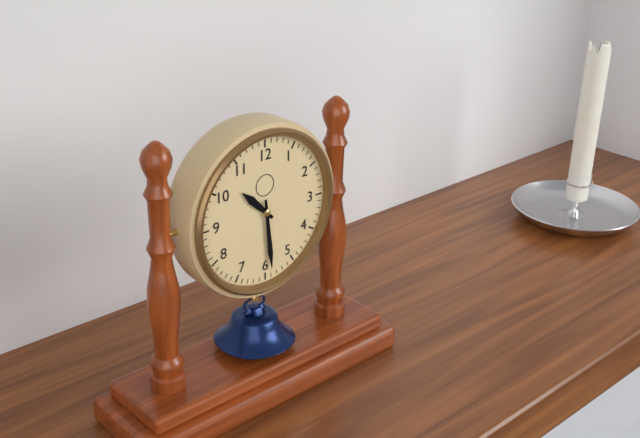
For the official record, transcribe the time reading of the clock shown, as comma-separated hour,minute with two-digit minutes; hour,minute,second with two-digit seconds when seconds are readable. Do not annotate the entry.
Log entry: 10,29
